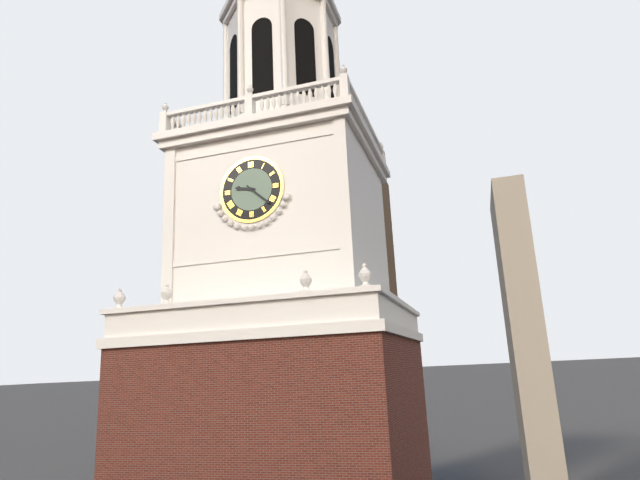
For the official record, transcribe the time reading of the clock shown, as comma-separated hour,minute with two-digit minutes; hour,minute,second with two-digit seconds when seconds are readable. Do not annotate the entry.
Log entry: 9,22
